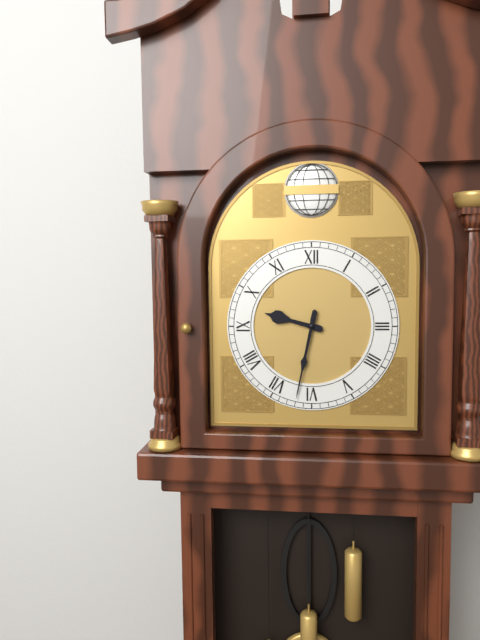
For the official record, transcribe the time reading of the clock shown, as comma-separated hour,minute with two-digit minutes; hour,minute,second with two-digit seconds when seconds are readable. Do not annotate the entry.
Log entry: 9,32
